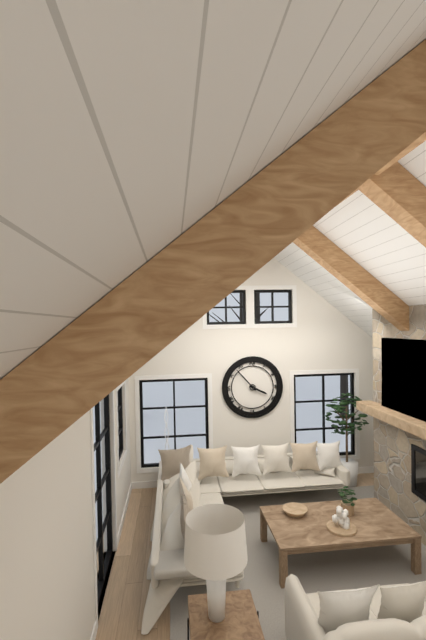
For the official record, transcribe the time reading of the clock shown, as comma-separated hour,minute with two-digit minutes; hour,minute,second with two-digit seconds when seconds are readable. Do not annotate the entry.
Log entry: 3,53
